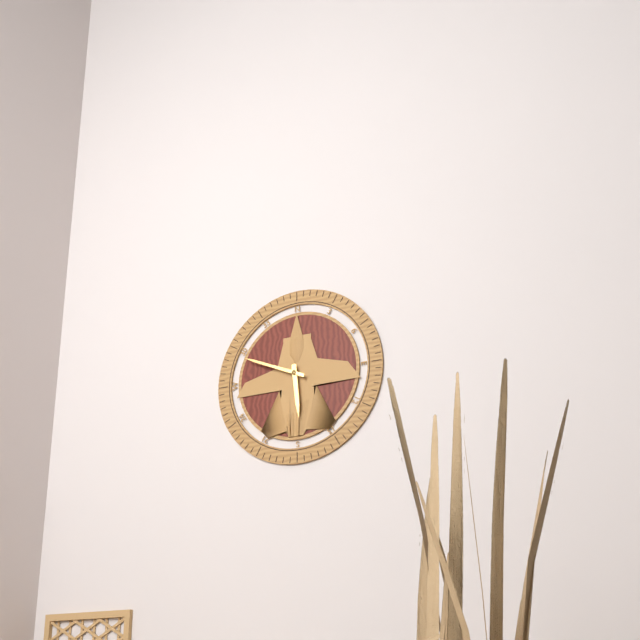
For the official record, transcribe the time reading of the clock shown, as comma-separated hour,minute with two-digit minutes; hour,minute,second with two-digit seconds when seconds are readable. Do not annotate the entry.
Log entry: 5,49
